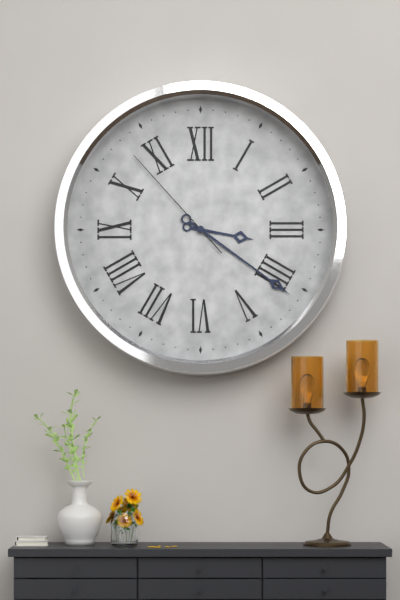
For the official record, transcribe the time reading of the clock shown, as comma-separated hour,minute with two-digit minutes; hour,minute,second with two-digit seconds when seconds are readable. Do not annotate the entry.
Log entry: 3,21,53
